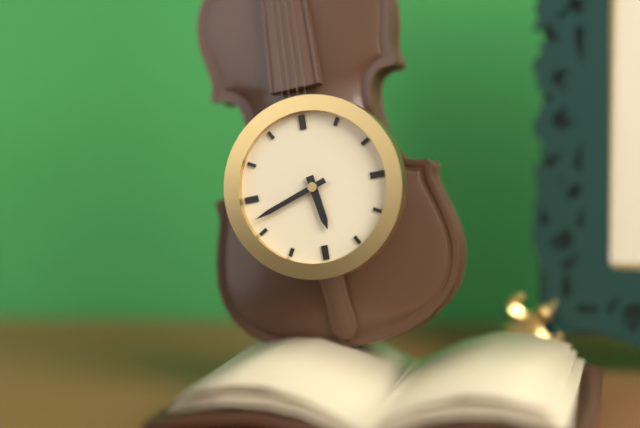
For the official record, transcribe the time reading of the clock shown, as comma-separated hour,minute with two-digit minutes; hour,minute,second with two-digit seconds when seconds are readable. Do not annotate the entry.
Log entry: 5,42
